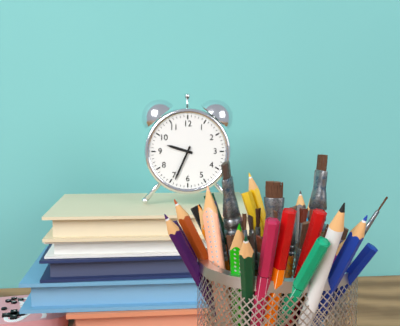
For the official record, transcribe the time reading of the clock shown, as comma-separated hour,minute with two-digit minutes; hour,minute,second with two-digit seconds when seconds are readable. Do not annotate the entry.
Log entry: 9,34
